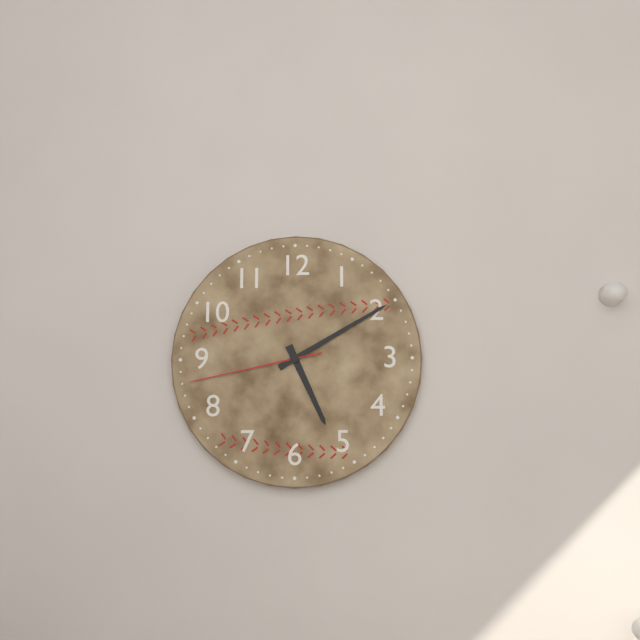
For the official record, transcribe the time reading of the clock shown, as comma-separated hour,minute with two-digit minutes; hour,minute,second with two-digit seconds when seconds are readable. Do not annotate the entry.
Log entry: 5,10,43
